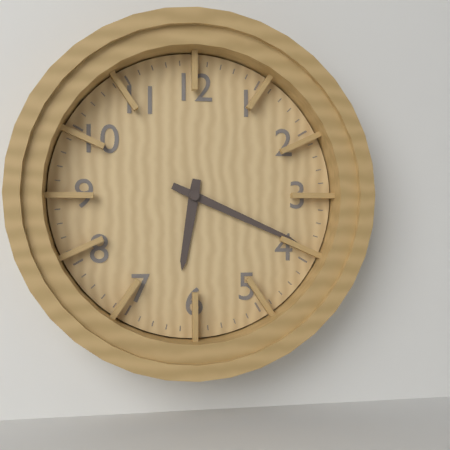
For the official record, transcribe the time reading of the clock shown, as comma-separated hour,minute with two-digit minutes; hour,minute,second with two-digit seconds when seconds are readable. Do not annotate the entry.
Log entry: 6,19
